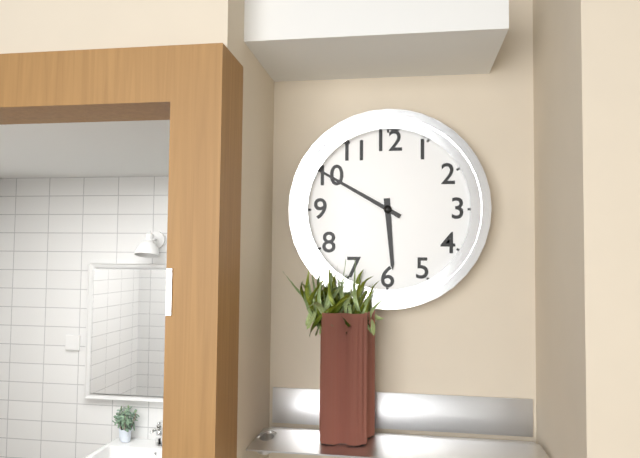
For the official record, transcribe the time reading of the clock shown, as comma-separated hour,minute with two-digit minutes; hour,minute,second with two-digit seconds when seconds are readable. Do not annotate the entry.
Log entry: 5,50
